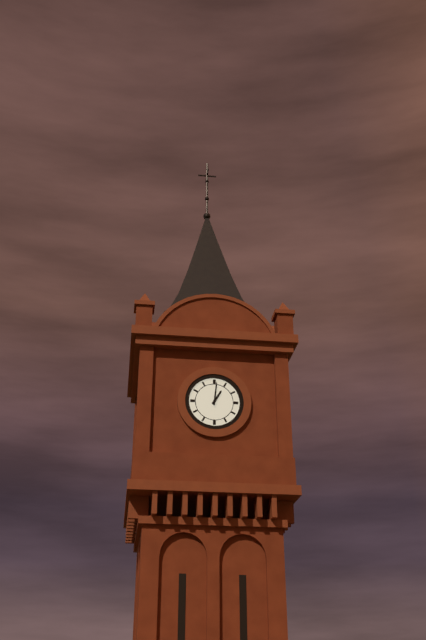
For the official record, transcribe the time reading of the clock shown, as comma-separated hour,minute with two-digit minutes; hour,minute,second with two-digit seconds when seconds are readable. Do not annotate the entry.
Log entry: 1,01
